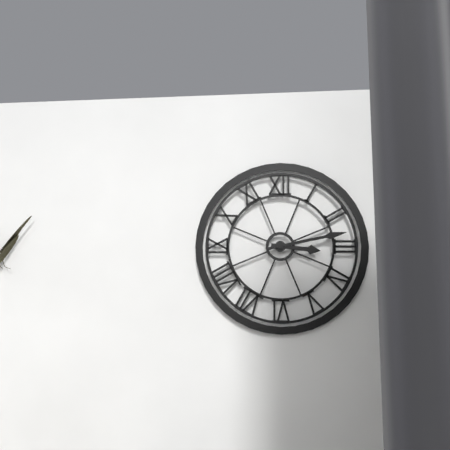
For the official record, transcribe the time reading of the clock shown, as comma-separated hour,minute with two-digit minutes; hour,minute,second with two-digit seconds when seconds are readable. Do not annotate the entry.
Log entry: 3,13
